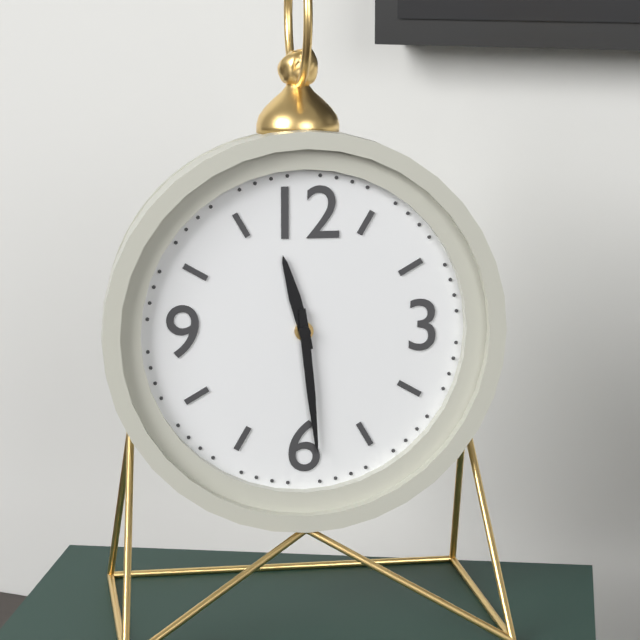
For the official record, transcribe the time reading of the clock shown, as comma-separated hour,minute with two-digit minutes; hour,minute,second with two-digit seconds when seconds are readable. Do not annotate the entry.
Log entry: 11,29
